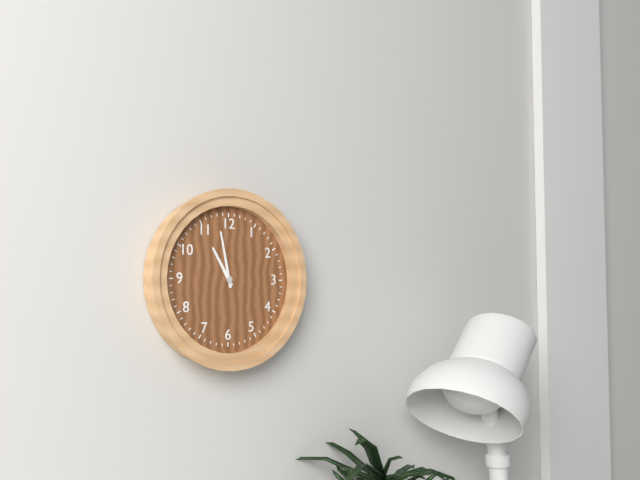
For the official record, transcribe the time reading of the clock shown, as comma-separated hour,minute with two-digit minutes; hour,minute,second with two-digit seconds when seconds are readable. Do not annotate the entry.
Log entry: 10,58
